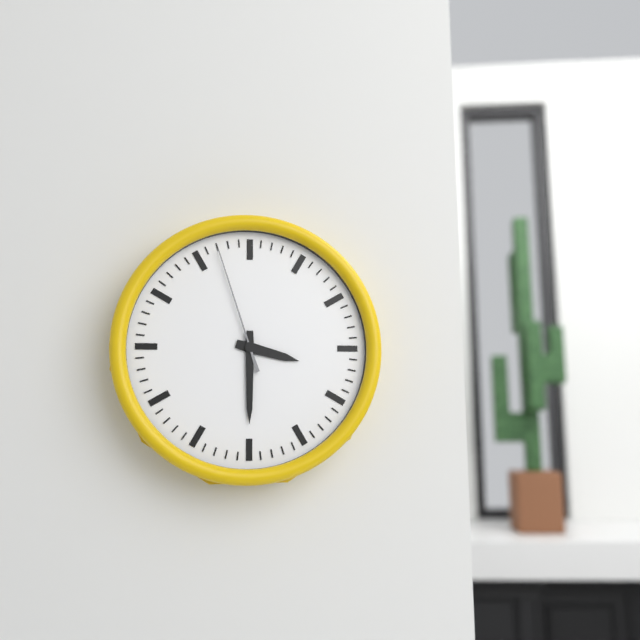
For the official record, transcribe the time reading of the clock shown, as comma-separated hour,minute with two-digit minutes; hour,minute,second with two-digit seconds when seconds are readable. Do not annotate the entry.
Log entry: 3,30,57
